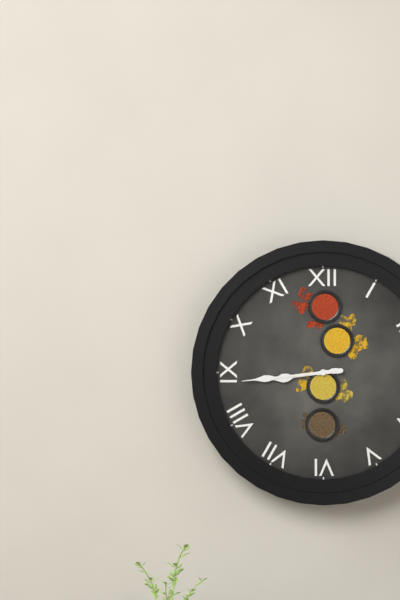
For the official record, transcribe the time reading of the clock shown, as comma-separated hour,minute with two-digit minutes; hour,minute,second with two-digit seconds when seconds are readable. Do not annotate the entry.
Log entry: 8,44
